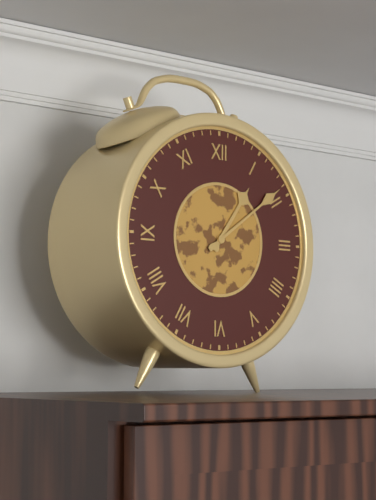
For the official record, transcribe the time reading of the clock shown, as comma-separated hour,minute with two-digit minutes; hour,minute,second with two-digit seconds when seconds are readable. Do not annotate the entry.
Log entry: 1,09
